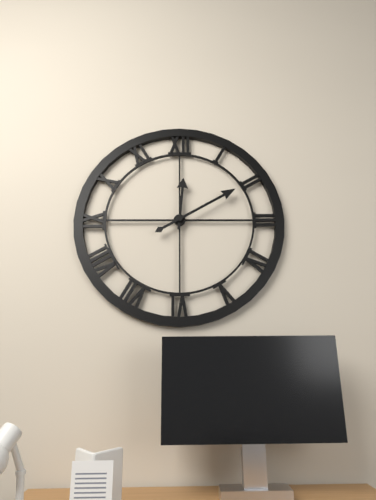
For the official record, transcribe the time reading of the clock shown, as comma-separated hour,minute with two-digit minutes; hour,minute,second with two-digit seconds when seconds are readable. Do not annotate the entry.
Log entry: 12,10
